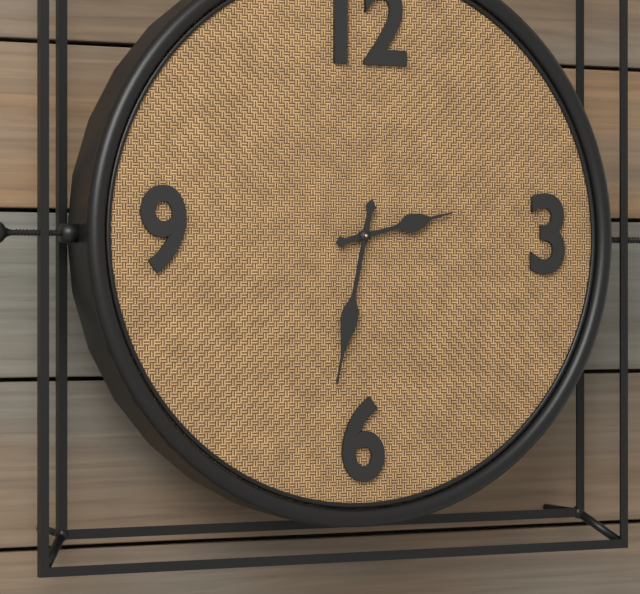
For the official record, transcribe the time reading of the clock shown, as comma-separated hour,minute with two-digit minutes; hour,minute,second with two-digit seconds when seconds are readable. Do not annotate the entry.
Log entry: 2,32
